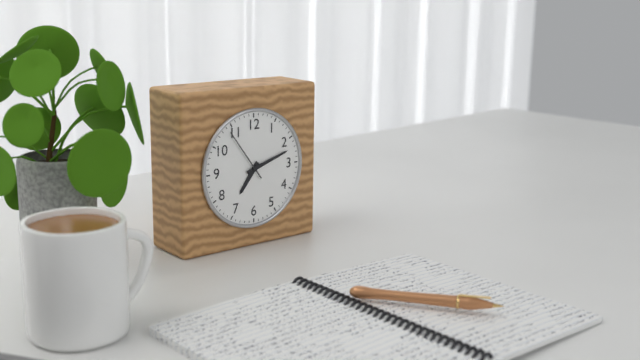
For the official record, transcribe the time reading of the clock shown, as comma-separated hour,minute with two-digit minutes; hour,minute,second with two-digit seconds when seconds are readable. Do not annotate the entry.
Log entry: 7,12,54
